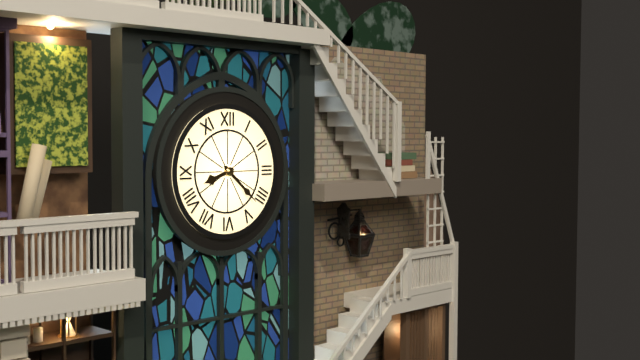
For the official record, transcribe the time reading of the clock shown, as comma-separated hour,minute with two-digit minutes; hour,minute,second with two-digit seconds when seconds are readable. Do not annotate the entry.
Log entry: 8,22
